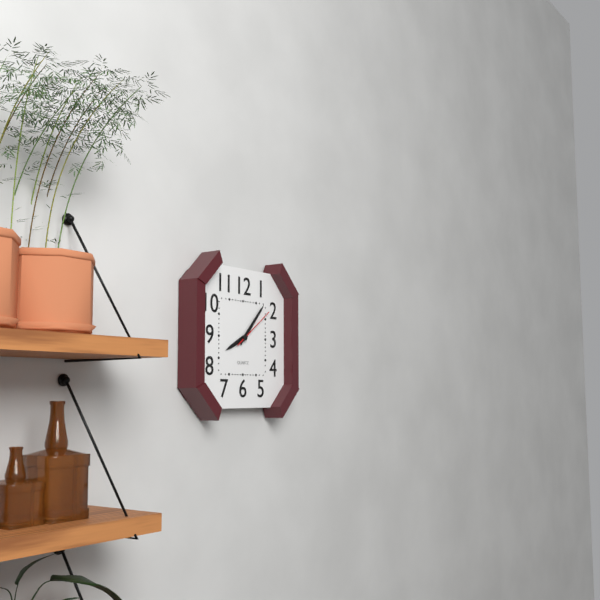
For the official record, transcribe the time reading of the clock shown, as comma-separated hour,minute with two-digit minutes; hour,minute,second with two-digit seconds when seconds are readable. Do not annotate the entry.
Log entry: 8,07
